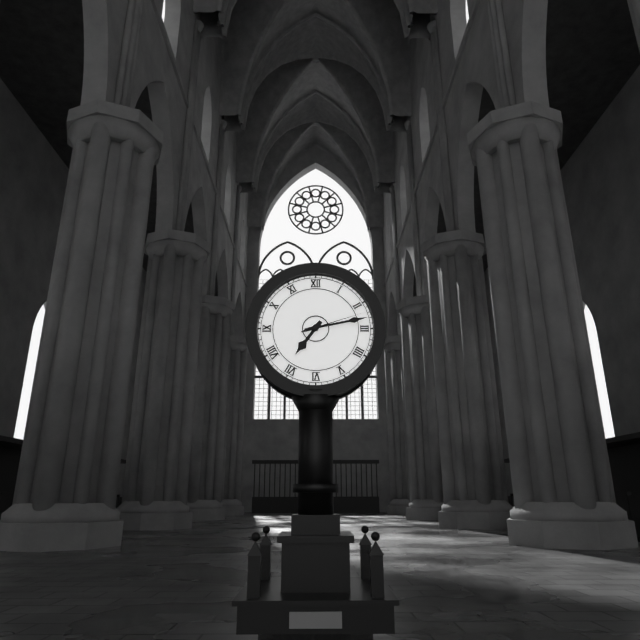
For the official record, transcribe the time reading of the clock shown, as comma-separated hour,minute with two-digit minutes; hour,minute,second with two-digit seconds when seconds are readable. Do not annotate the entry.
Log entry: 7,13,12
